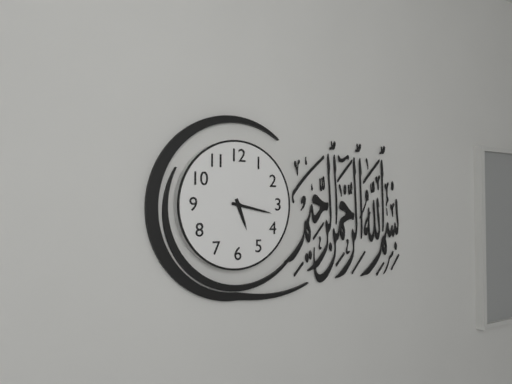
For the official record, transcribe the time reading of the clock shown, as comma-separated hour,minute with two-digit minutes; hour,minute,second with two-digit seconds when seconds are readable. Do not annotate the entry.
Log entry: 5,17
